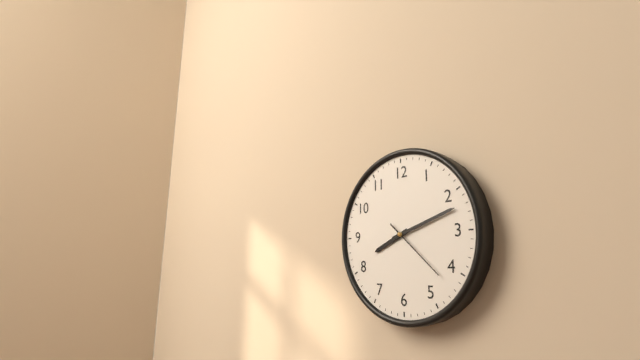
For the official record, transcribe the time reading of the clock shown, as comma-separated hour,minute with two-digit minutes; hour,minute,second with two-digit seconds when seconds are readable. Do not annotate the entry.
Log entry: 8,12,22
